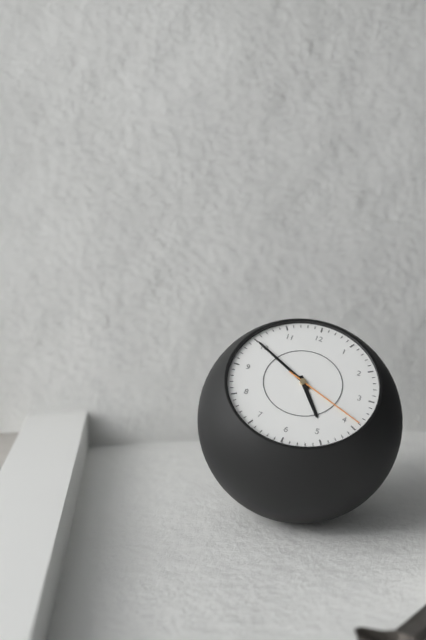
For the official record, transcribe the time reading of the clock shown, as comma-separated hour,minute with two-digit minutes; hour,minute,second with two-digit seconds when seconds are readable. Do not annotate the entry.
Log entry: 4,50,19
